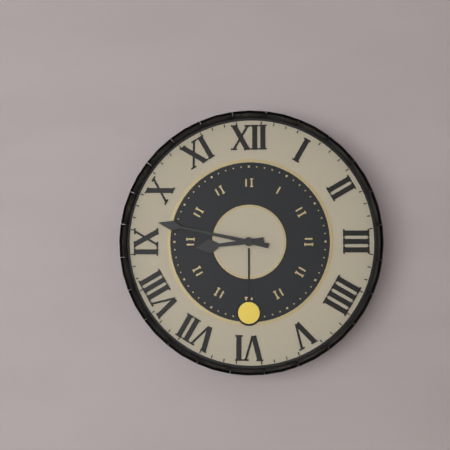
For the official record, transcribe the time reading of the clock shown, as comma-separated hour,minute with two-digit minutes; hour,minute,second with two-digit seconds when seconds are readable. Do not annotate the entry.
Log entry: 8,47
